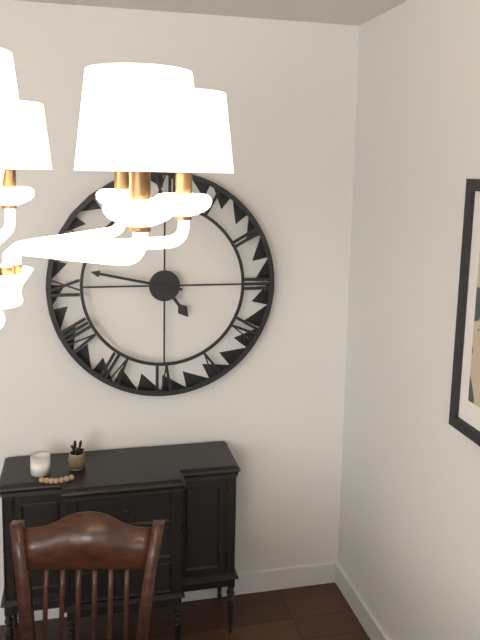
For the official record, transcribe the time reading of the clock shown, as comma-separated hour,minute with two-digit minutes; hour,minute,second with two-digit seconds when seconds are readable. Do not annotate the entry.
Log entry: 4,47
